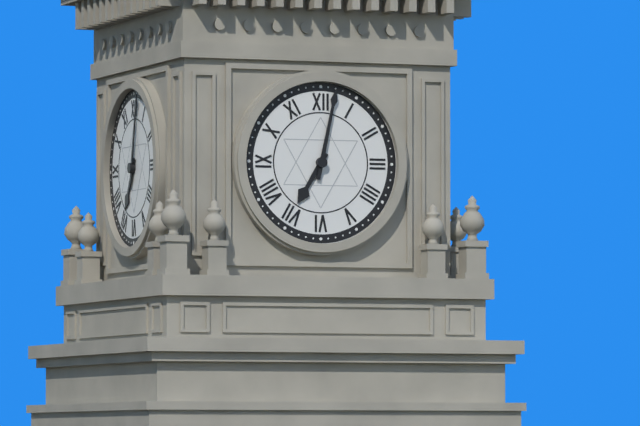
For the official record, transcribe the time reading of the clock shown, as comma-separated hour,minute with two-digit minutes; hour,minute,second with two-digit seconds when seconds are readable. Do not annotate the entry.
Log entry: 7,02
